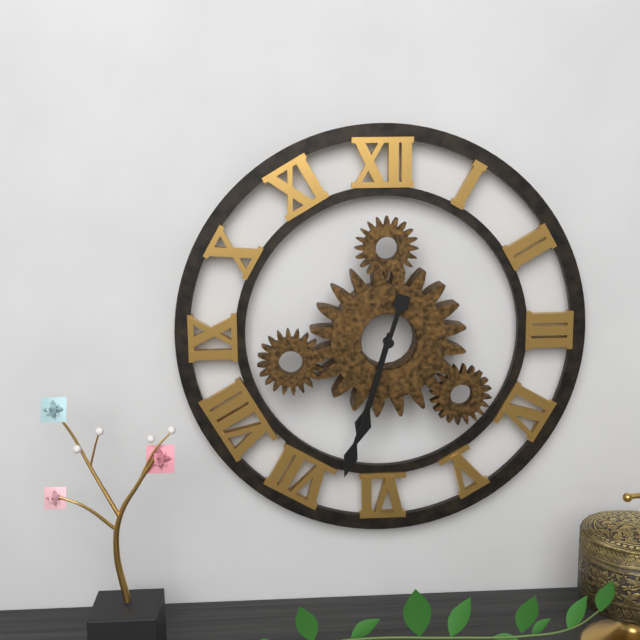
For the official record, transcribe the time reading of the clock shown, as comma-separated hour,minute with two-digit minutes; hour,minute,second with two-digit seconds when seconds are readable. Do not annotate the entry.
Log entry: 6,33
